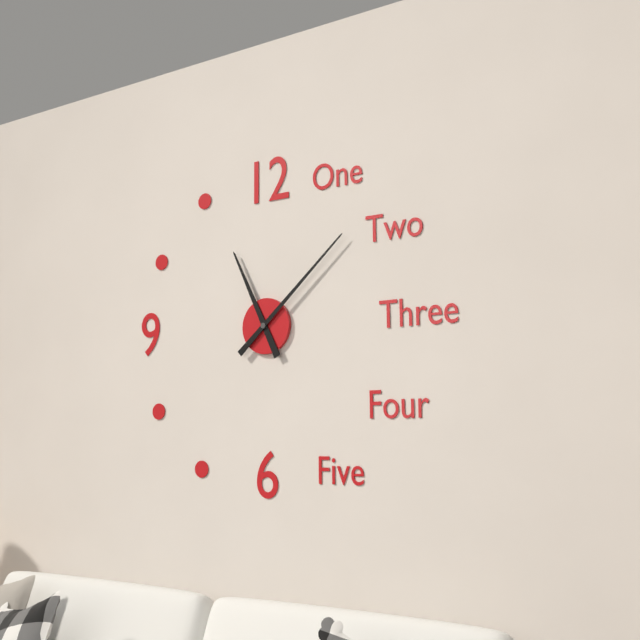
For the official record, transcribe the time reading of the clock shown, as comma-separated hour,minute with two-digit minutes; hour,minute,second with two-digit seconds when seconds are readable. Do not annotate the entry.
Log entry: 11,08
